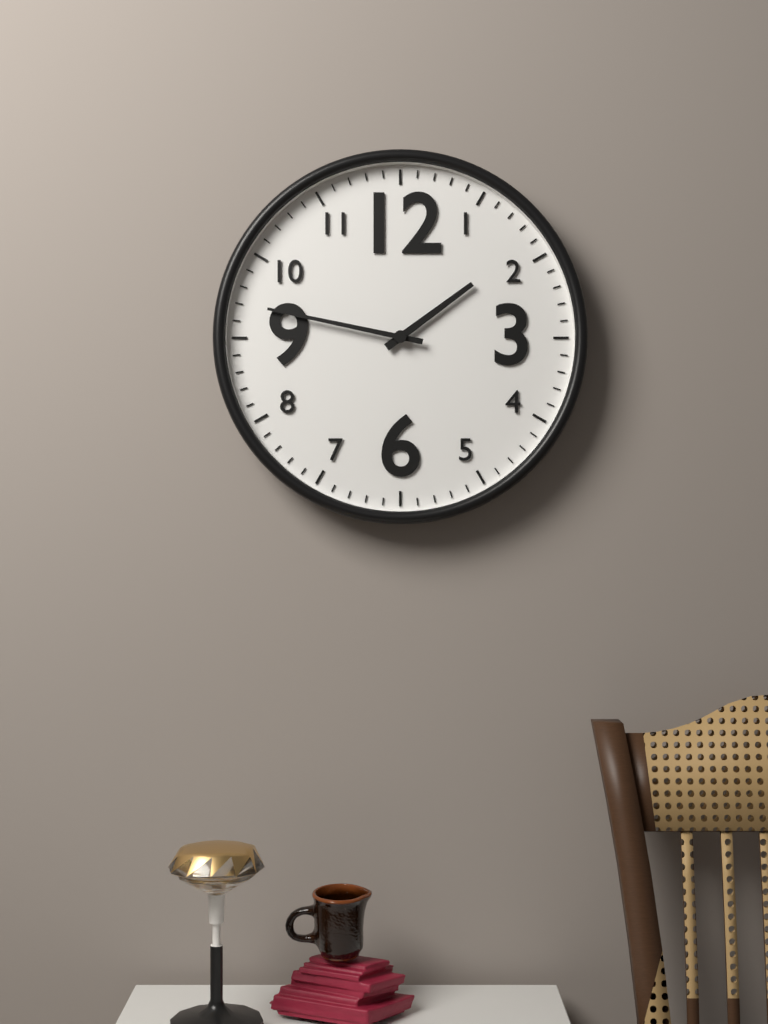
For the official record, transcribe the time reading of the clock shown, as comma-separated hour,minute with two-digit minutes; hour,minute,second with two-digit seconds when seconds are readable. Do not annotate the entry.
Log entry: 1,47
